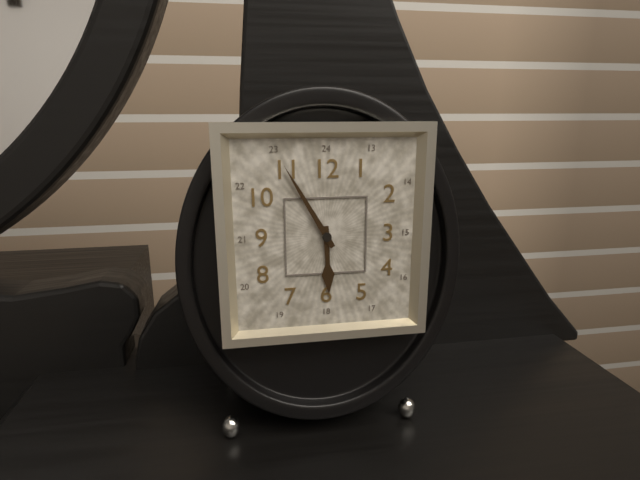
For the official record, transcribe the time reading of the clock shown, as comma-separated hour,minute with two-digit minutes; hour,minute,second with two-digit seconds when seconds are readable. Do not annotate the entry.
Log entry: 5,55
